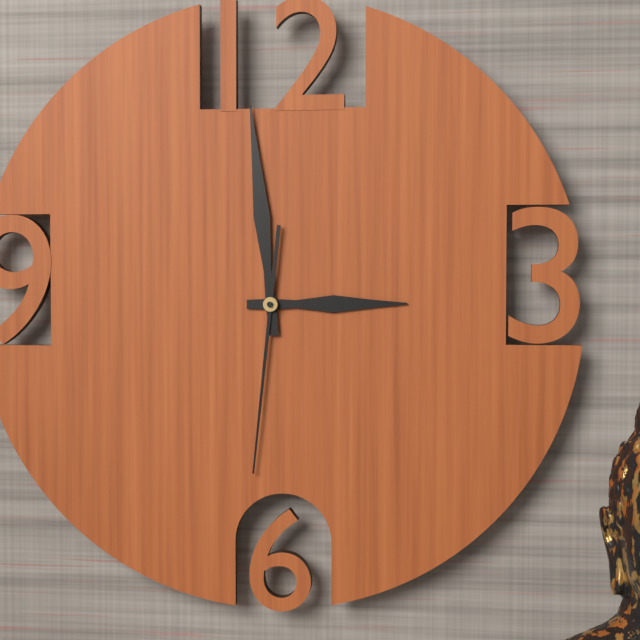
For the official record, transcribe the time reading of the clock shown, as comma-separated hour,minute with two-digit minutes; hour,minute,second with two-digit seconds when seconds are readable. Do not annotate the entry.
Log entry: 2,59,31
